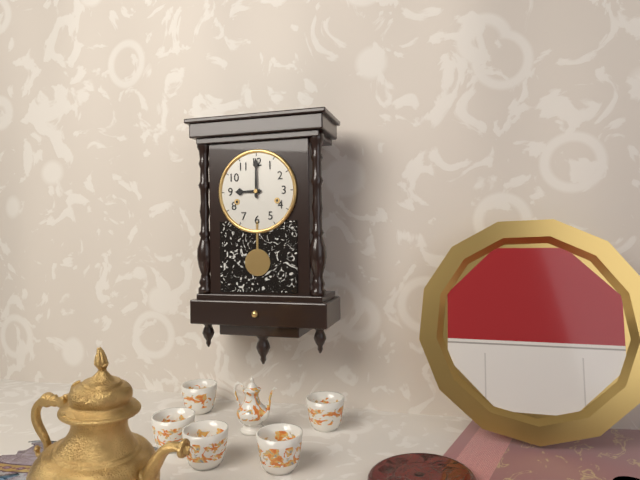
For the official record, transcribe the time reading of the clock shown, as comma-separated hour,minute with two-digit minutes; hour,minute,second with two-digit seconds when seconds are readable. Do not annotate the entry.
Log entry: 9,00
